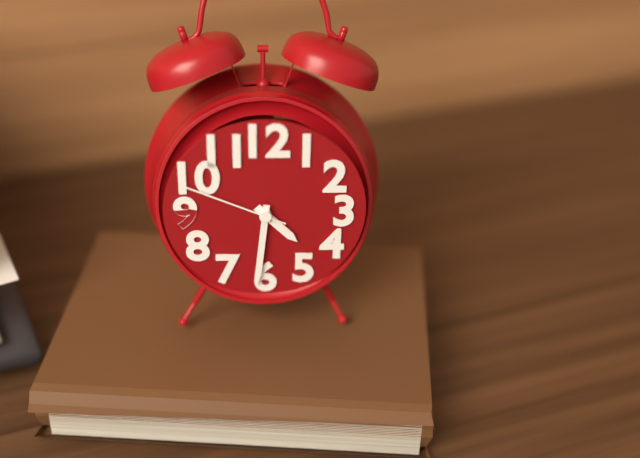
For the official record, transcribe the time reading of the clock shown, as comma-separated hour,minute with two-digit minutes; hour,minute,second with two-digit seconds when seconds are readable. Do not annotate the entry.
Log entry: 4,31,49
